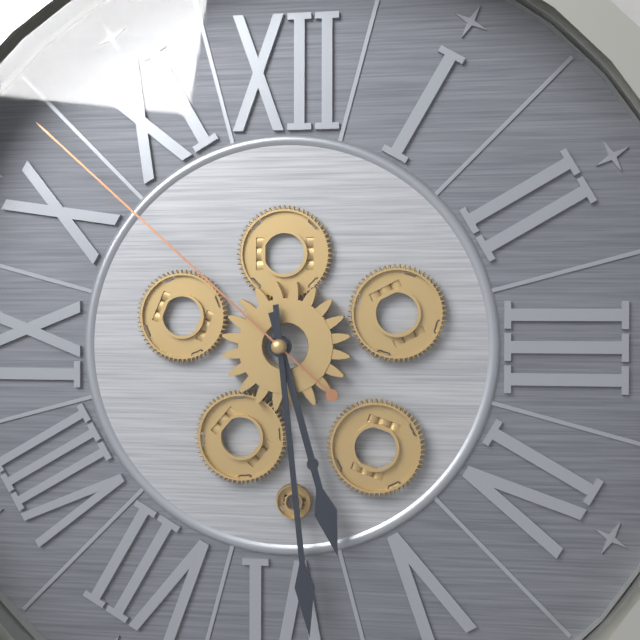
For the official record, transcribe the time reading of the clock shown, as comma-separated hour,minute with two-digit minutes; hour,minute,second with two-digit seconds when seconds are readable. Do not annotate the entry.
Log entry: 5,29,52
